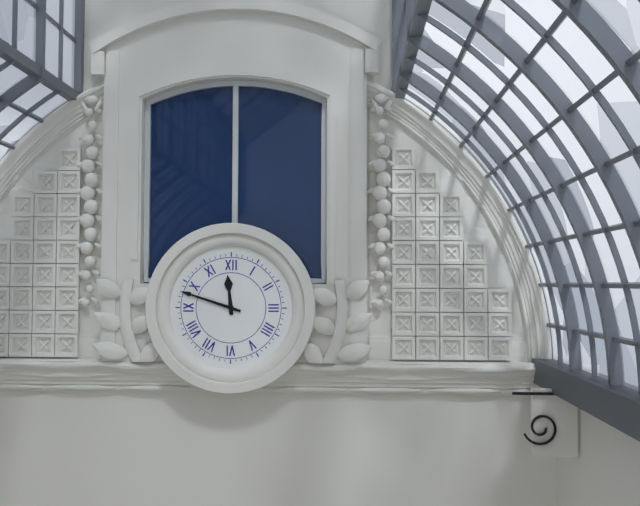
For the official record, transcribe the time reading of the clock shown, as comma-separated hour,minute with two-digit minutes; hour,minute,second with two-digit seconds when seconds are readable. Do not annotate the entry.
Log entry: 11,48
